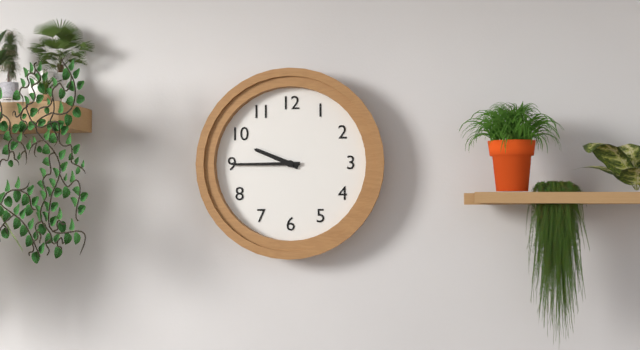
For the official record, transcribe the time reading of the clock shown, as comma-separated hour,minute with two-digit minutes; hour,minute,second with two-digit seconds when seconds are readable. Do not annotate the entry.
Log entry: 9,45
